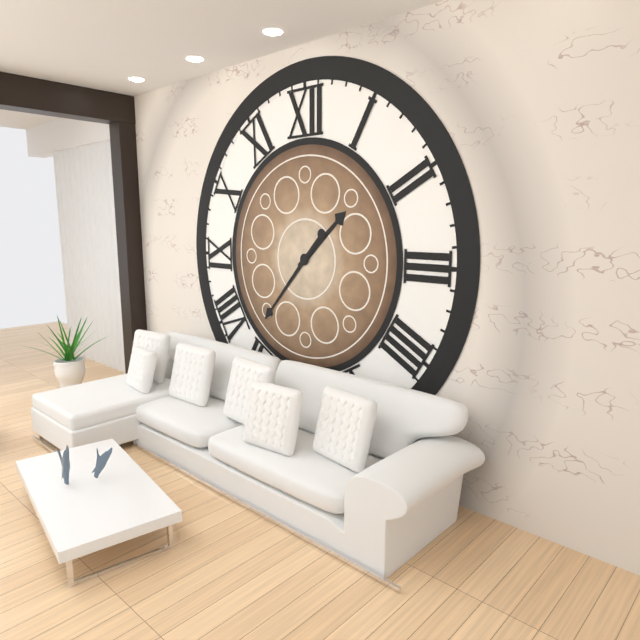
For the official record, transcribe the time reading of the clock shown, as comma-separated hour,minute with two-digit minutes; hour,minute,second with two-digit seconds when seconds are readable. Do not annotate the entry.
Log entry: 1,37
